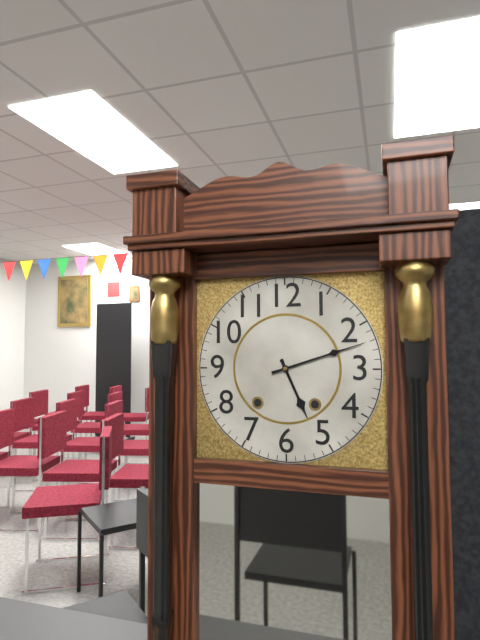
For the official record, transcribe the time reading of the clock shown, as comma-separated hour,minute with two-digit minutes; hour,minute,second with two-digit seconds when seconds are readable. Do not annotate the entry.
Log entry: 5,12
